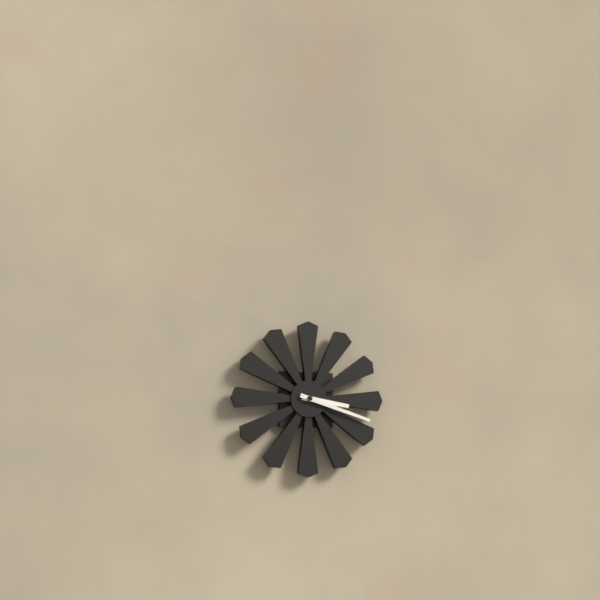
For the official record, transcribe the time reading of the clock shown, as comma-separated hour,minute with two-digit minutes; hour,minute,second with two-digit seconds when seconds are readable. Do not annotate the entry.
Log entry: 3,18
